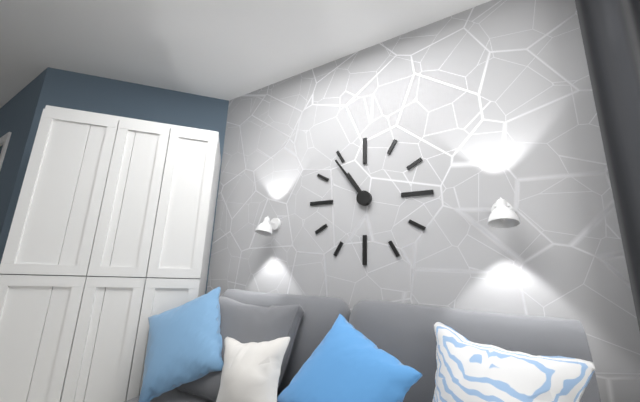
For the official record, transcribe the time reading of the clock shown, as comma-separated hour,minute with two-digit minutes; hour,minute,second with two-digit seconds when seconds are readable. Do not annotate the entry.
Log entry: 10,54
